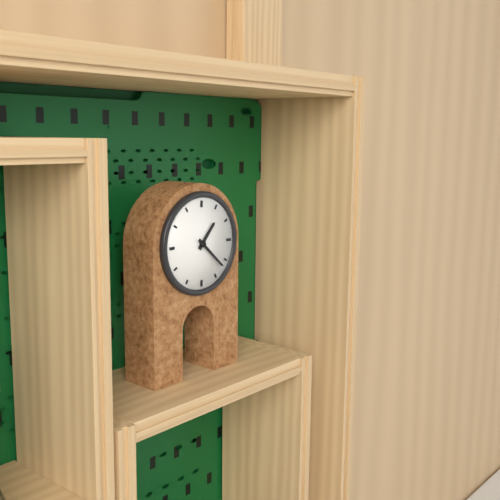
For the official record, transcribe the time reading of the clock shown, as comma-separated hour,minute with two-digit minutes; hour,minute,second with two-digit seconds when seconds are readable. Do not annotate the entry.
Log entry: 1,22
